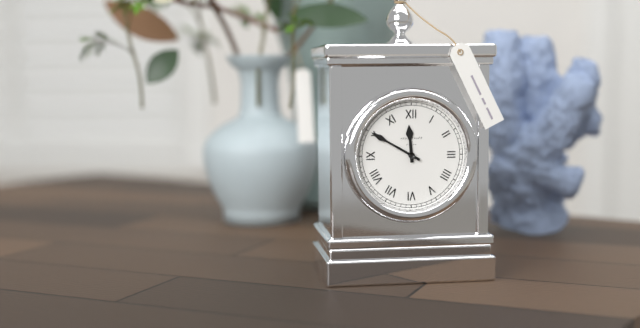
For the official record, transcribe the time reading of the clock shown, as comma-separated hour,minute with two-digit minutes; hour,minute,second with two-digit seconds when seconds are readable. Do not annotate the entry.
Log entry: 11,50
